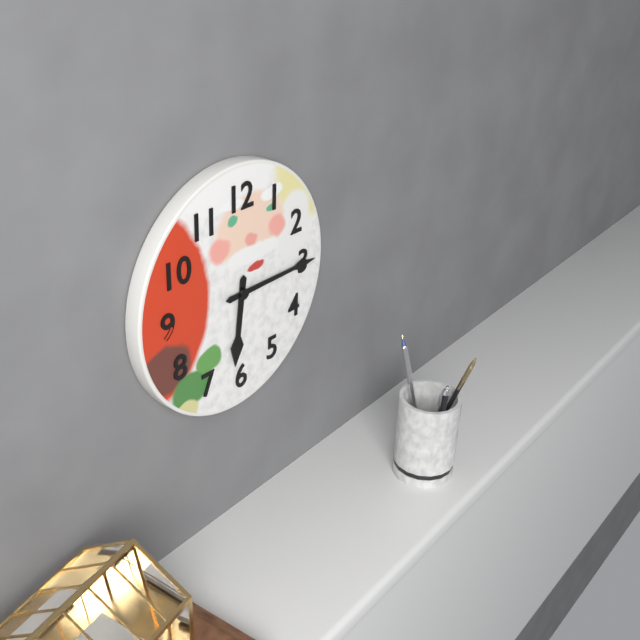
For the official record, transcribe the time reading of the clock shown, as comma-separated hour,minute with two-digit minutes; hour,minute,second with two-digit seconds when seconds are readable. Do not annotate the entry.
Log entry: 6,15
